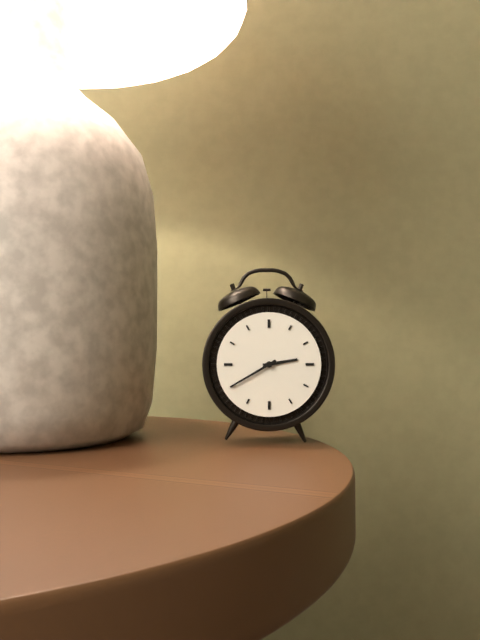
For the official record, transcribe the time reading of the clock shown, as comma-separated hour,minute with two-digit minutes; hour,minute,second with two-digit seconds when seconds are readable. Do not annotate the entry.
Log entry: 2,40
